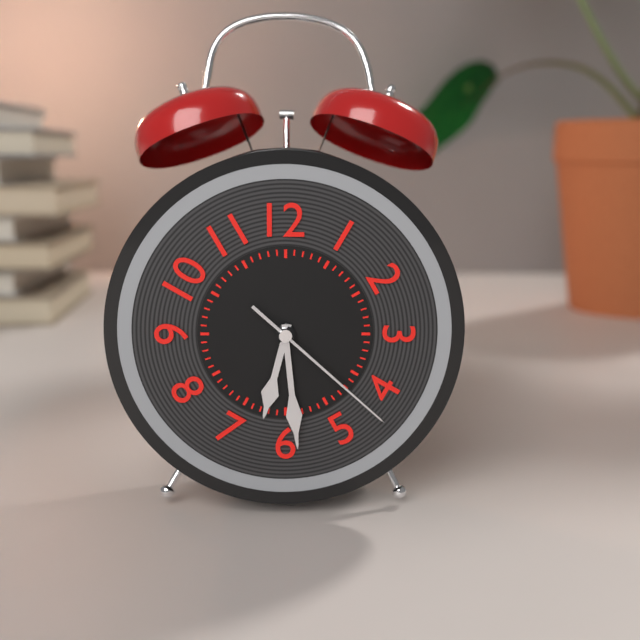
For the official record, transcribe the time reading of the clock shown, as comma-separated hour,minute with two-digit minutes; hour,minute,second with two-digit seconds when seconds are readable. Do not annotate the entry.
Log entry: 6,29,22
